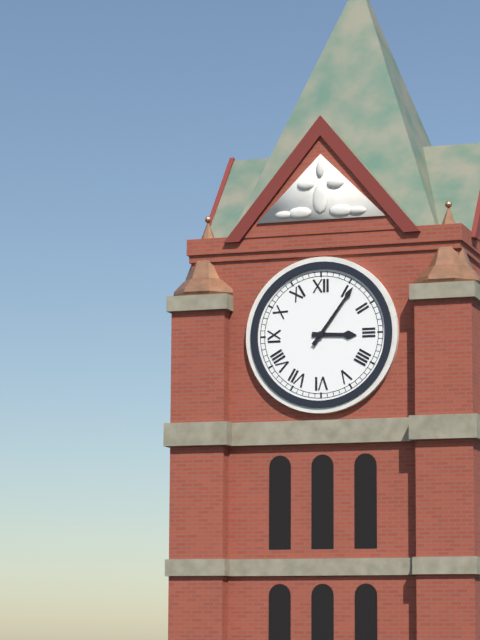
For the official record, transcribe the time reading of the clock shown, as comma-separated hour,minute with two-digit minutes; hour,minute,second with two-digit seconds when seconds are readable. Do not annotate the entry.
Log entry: 3,06
